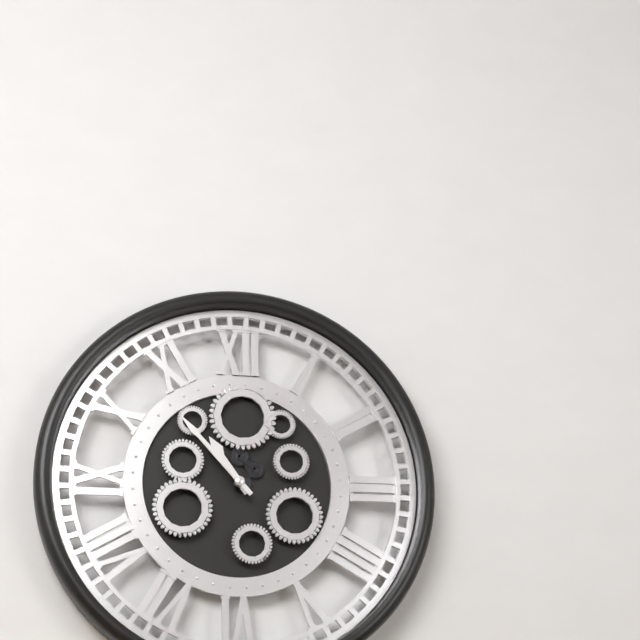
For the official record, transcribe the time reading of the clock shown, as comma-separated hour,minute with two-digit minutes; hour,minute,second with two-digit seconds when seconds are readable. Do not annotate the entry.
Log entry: 10,53
